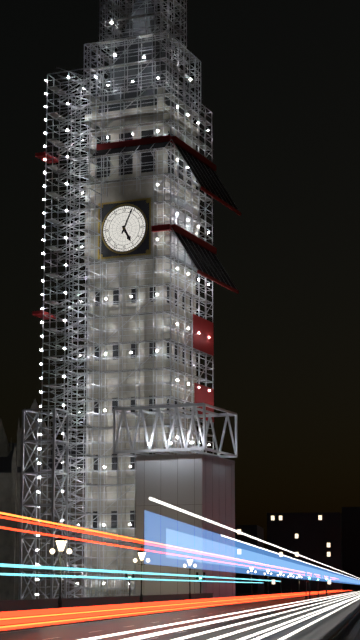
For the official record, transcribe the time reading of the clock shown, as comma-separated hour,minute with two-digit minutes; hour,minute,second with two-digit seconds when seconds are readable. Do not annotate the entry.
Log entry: 5,04
